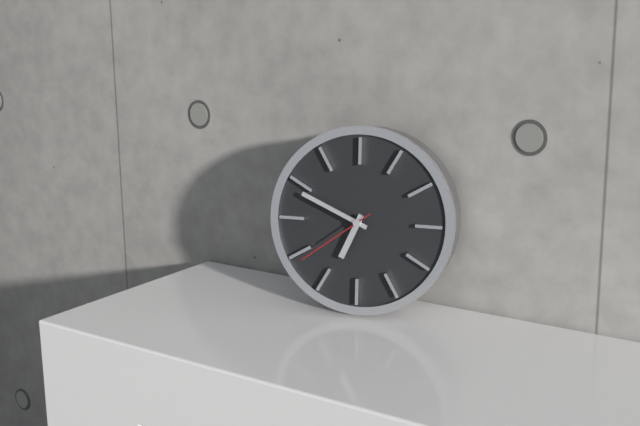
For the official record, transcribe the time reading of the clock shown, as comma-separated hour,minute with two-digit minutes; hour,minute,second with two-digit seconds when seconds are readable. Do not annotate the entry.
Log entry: 6,49,39
